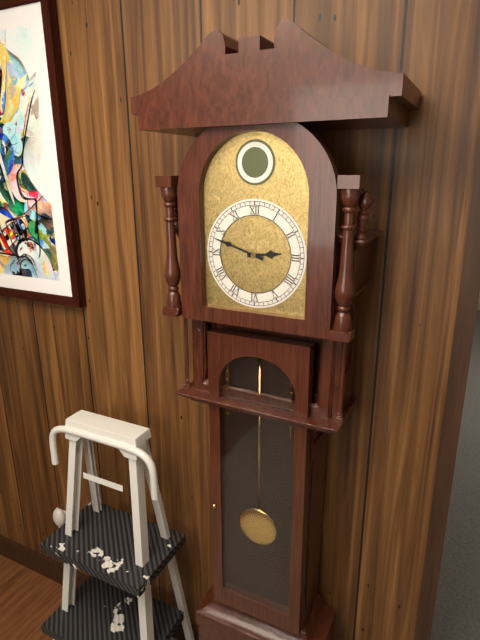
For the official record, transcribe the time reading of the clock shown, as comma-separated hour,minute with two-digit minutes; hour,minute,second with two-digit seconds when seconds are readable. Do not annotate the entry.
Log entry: 2,48
